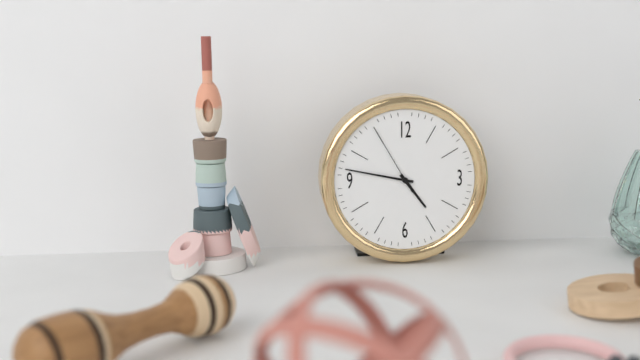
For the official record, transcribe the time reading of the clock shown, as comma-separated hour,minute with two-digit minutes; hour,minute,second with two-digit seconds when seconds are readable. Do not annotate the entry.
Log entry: 4,47,55
